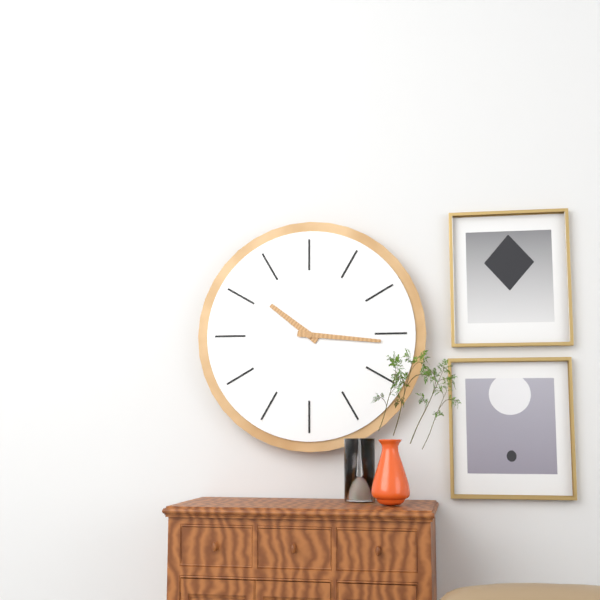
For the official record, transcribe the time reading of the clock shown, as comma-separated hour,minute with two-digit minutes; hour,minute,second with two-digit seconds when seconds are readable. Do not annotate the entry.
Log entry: 10,16
